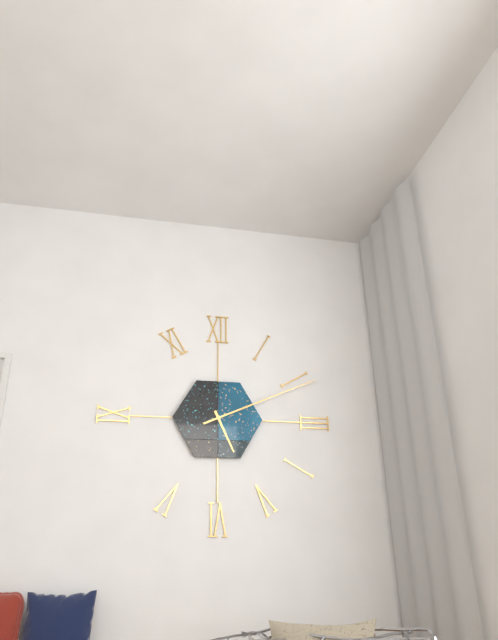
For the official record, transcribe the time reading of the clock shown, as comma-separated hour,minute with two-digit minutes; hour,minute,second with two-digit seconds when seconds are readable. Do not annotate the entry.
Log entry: 5,11
